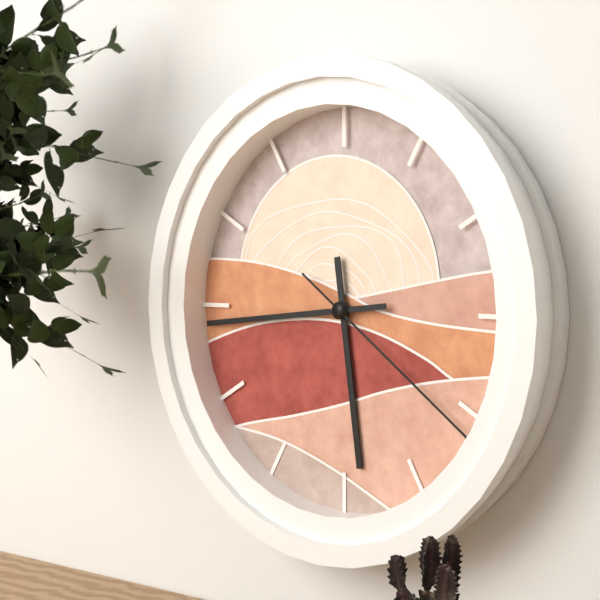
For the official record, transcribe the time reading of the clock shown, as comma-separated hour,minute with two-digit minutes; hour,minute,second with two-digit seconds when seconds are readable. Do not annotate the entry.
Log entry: 5,44,21
